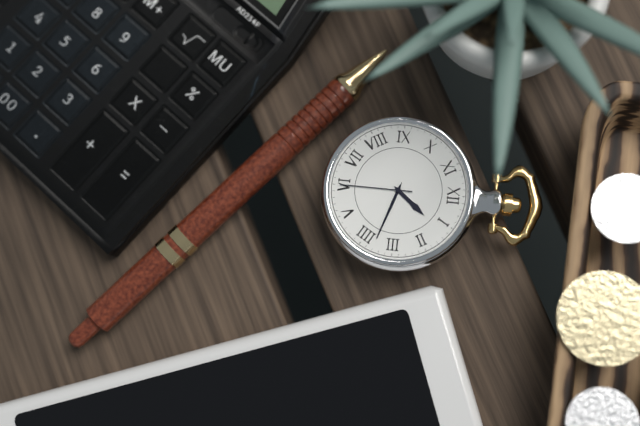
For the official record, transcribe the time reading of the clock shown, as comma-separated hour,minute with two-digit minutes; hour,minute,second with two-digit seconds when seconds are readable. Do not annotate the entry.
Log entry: 1,18,30
